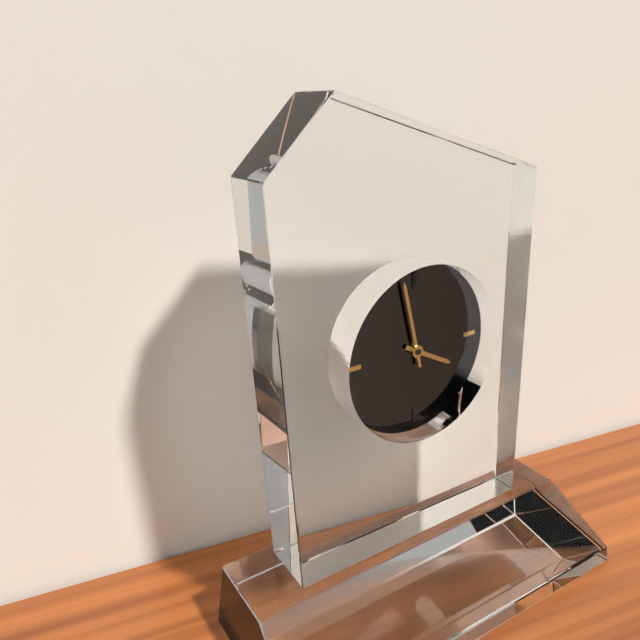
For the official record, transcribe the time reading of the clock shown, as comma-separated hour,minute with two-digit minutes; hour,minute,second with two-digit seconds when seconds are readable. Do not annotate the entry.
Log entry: 3,58
